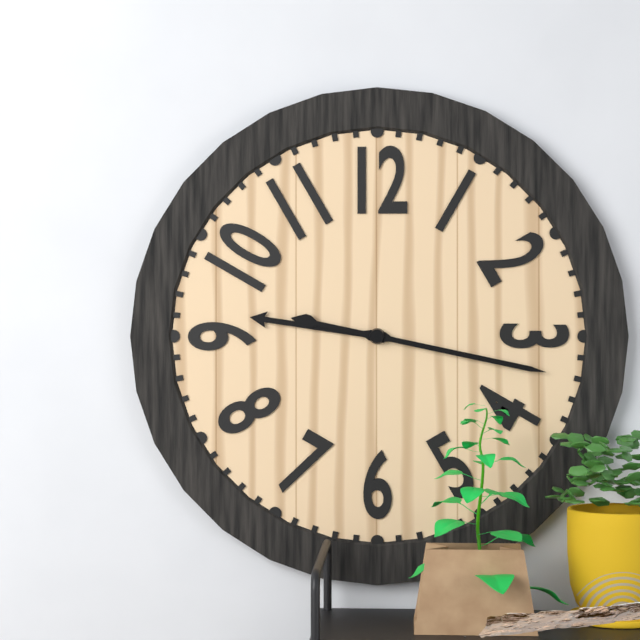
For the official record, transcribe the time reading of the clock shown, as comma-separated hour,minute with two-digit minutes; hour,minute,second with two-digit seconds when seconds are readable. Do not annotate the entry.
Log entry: 9,17
